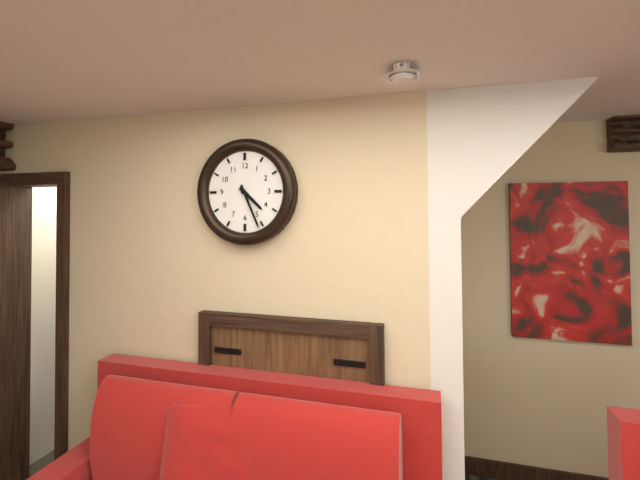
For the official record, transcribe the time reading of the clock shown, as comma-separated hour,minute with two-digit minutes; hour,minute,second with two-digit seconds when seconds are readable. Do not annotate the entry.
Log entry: 4,26
